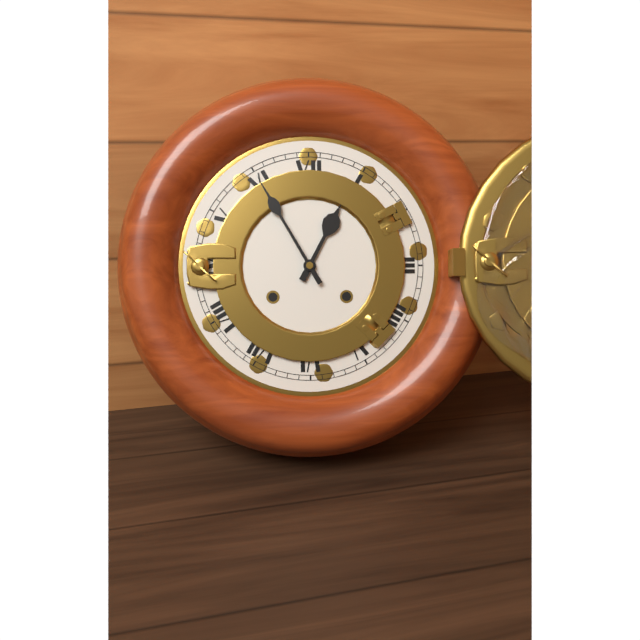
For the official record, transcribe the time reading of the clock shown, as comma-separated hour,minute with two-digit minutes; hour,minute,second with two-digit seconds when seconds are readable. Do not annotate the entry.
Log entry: 12,55
